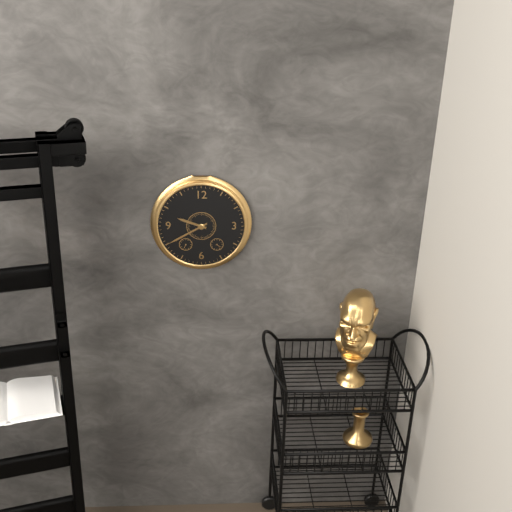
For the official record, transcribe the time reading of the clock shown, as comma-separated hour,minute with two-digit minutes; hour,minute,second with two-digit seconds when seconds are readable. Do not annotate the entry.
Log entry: 9,40
